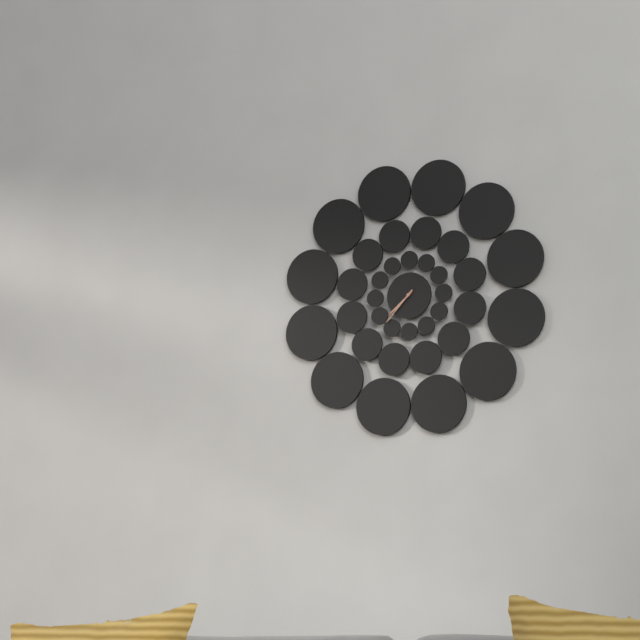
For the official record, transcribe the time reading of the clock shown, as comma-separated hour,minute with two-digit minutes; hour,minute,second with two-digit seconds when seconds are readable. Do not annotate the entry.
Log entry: 7,37
